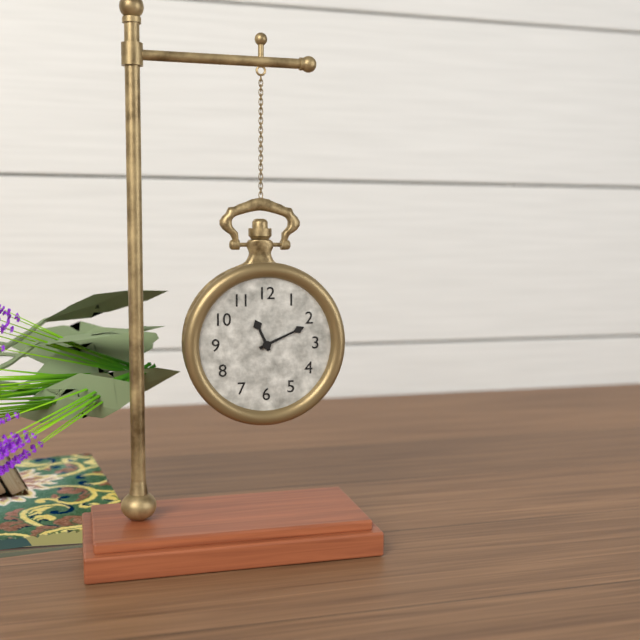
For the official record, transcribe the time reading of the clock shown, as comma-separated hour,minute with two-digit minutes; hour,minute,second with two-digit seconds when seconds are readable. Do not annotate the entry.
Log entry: 11,11
